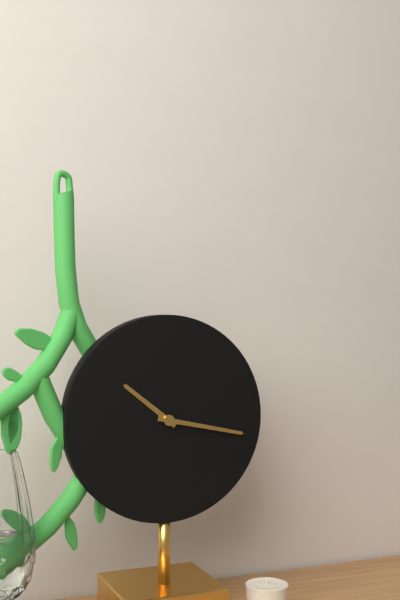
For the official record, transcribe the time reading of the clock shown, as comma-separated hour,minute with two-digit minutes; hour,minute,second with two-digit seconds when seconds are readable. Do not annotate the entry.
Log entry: 10,17
